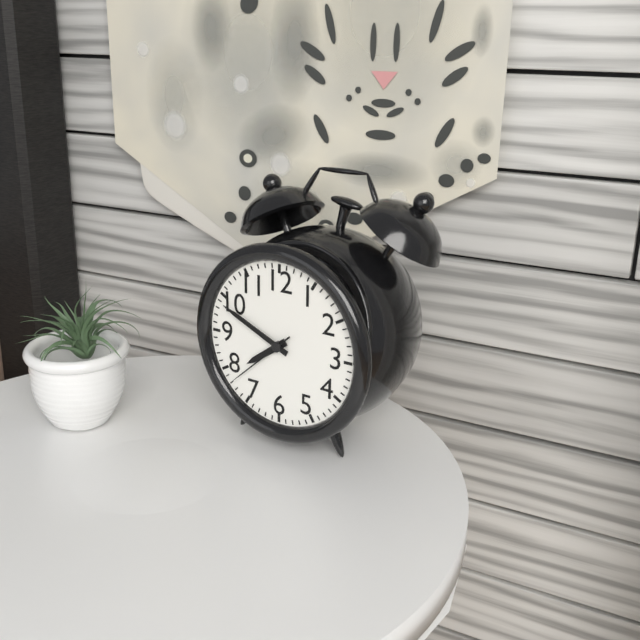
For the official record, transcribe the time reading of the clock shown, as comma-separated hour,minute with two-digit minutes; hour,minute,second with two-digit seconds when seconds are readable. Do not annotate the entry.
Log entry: 7,49,38
